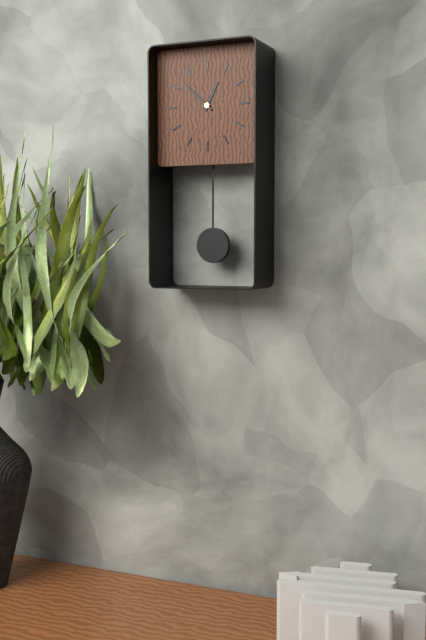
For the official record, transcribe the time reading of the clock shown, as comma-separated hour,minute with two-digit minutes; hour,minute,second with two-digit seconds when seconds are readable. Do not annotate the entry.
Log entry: 12,52
